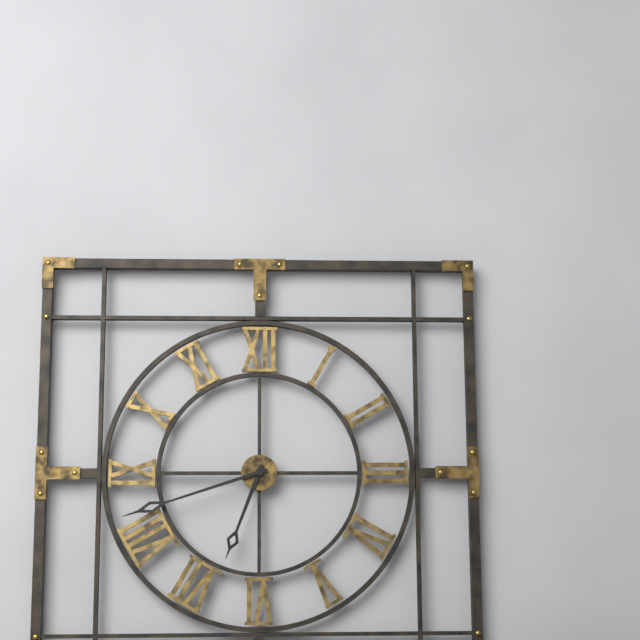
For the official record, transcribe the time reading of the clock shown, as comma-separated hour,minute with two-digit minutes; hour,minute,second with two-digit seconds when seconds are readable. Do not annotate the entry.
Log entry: 6,42
